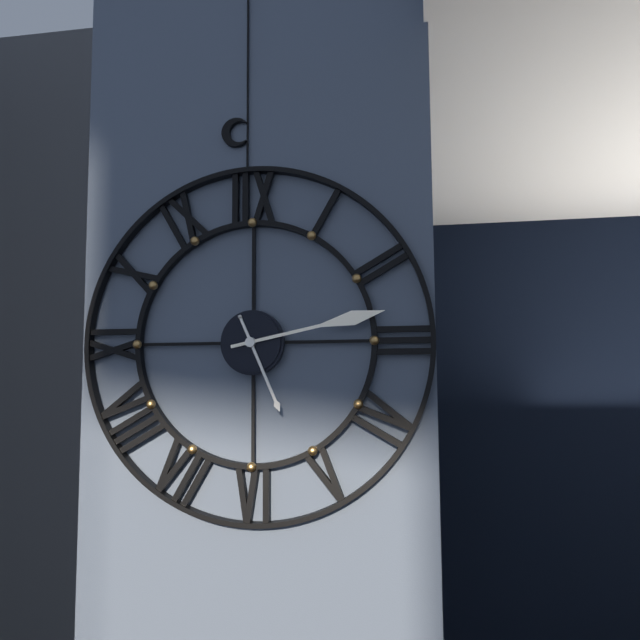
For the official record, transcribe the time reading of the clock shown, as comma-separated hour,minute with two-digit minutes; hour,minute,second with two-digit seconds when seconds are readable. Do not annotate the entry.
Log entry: 5,13
